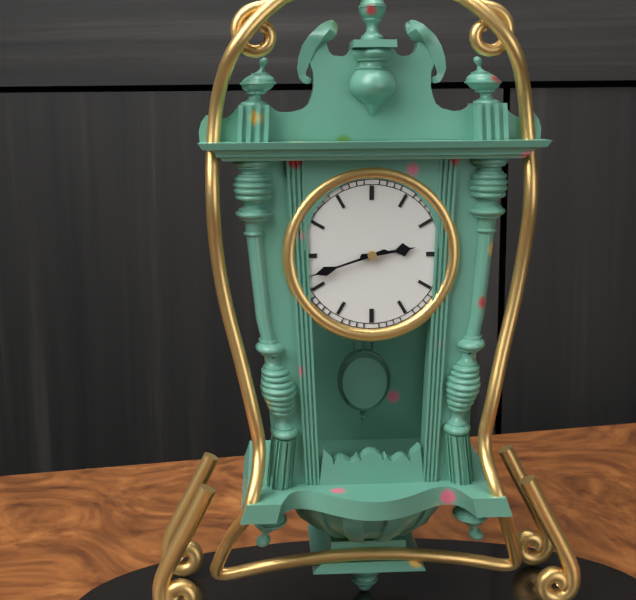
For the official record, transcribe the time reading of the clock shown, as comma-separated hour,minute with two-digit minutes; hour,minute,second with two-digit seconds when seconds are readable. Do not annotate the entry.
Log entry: 2,42
